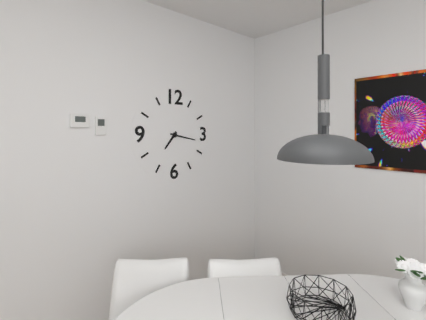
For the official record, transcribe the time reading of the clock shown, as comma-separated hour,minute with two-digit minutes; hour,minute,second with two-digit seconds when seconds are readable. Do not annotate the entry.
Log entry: 7,17
